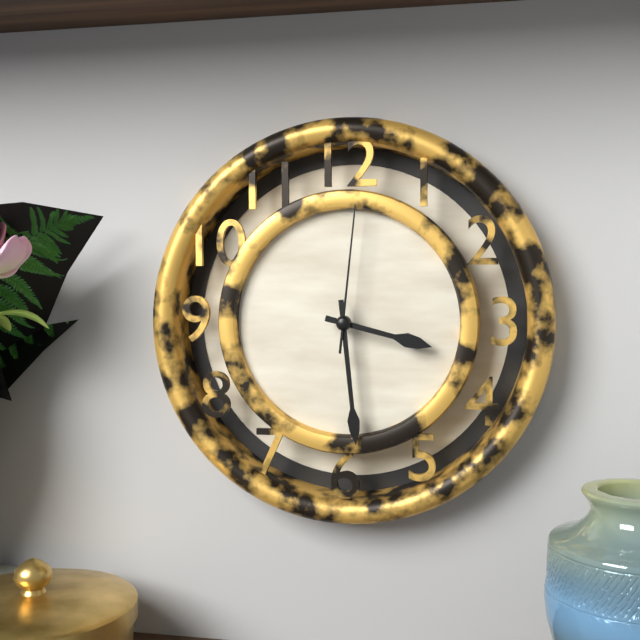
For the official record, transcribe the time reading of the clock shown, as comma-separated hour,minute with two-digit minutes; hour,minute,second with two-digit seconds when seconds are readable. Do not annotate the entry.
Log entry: 3,29,01
